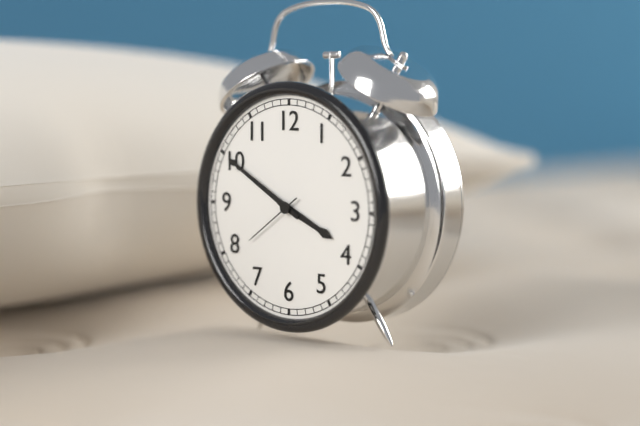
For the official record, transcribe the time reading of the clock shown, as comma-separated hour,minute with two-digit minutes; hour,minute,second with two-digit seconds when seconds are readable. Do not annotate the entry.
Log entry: 3,50,39
